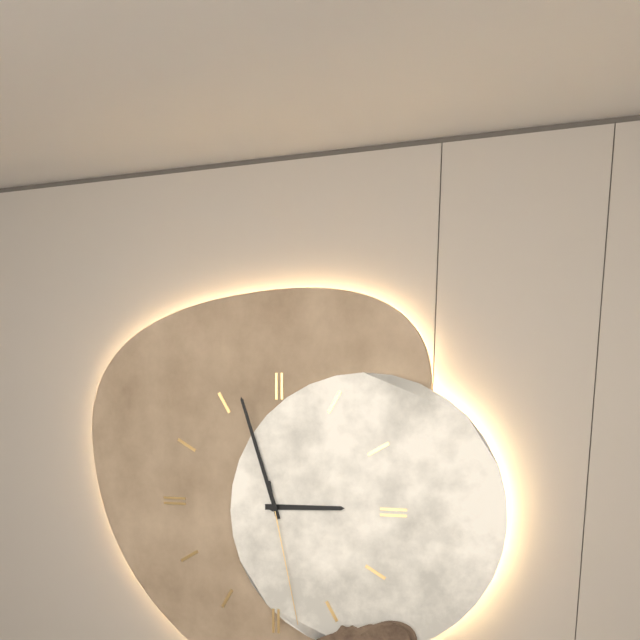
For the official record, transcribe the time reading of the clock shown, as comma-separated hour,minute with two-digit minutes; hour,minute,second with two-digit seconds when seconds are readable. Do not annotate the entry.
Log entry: 2,57,28
